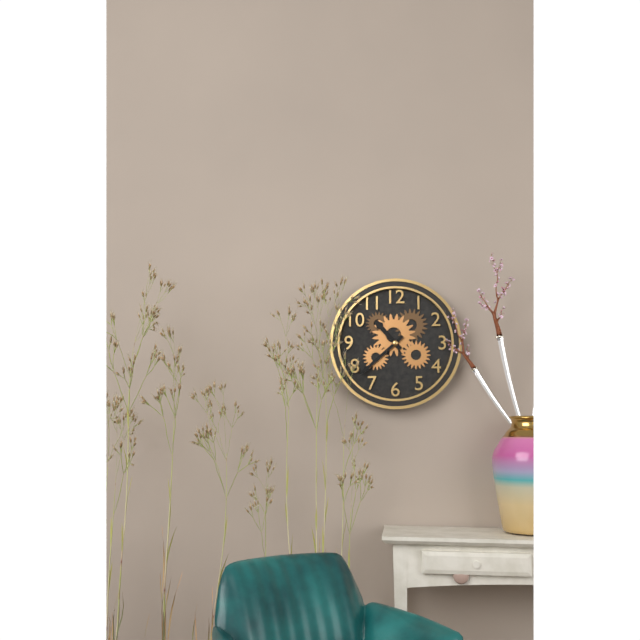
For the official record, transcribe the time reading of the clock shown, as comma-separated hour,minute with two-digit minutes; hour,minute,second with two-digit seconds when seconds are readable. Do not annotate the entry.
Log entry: 10,38
